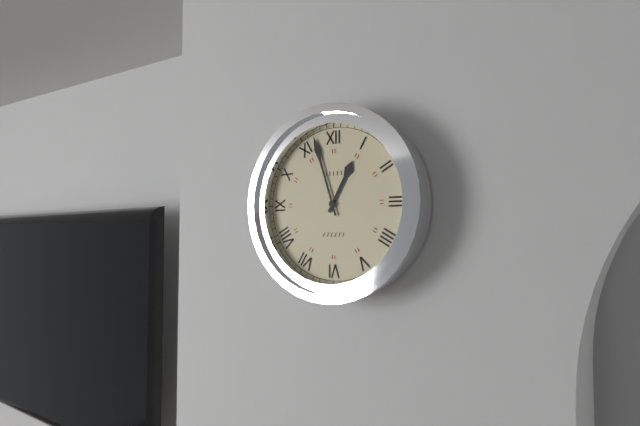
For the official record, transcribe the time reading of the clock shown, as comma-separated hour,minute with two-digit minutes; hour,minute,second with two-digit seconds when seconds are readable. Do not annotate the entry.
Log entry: 12,57
